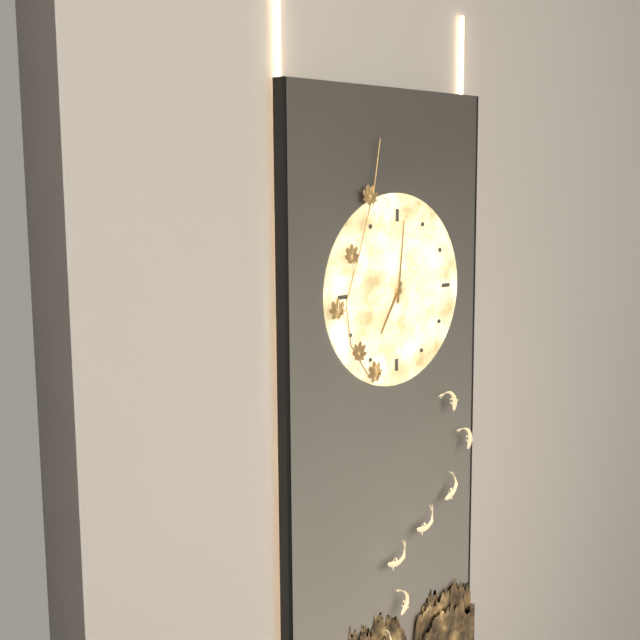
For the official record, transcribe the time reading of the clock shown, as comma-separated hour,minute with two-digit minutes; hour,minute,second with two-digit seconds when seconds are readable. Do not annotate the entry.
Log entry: 7,01
